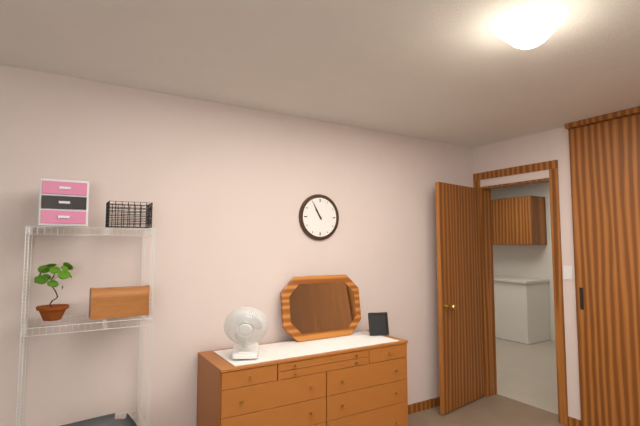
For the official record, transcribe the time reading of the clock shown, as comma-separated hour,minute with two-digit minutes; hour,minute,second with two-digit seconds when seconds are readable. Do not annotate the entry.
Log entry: 10,55
